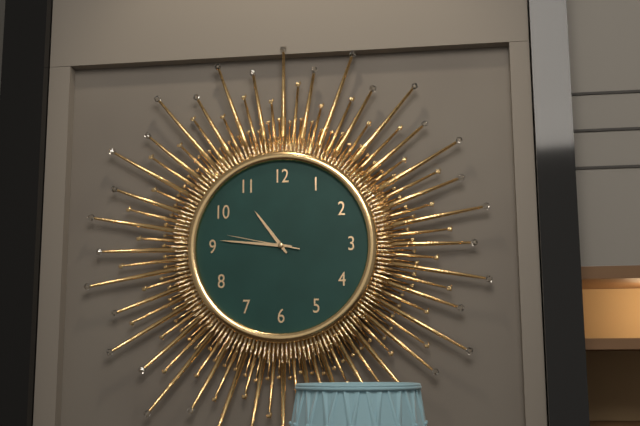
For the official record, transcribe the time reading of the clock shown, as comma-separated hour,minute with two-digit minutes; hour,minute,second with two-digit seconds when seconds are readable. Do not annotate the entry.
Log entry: 10,46,47
